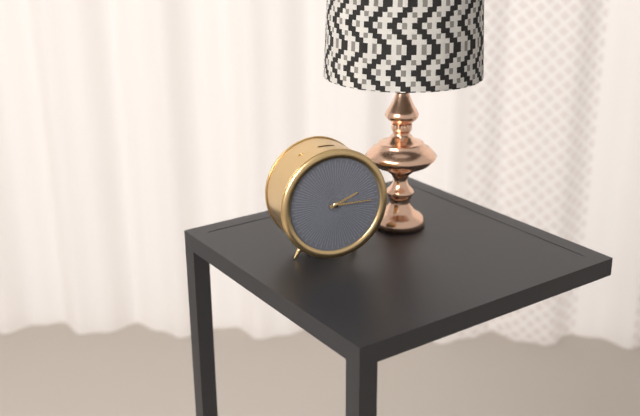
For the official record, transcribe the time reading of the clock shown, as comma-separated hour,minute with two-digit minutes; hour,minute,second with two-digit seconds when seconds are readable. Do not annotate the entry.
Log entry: 2,15
